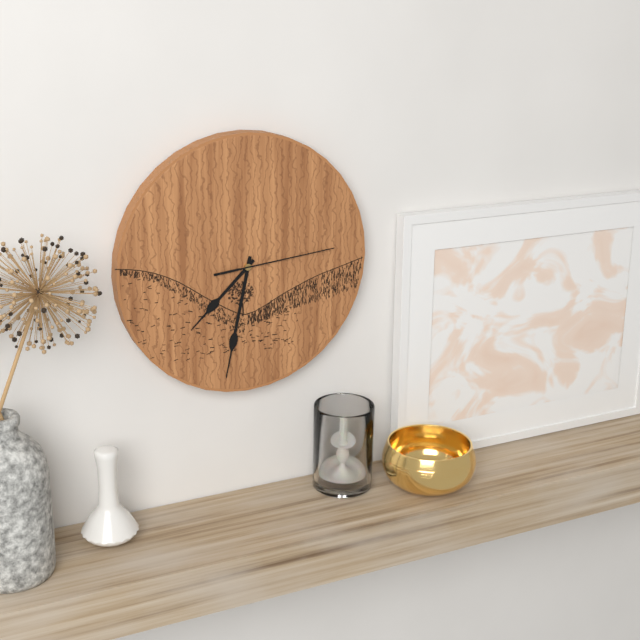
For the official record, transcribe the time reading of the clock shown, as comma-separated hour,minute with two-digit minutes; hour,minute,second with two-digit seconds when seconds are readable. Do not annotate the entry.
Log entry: 7,32,14
